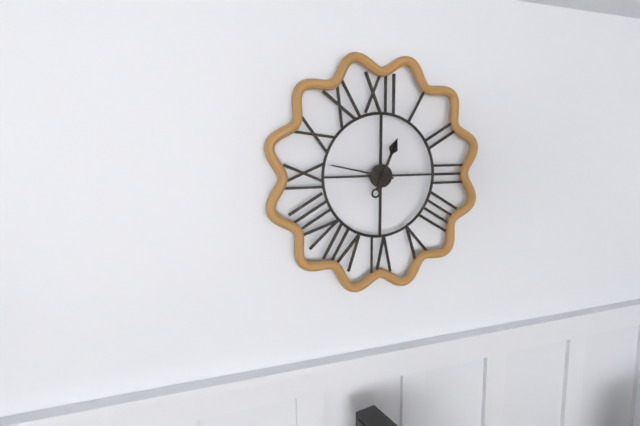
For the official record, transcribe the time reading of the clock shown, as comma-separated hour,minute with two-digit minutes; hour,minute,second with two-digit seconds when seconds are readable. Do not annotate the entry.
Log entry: 12,47
